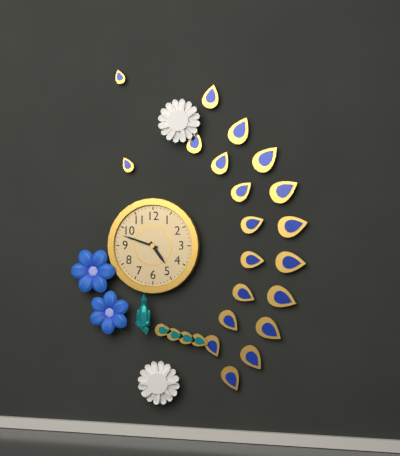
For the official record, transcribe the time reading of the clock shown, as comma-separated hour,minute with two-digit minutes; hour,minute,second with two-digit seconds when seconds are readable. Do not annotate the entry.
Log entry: 4,48
